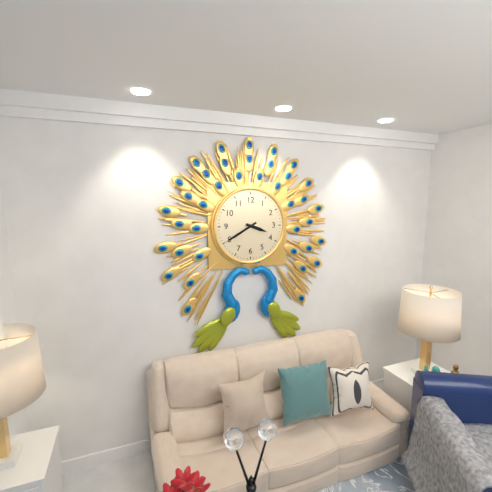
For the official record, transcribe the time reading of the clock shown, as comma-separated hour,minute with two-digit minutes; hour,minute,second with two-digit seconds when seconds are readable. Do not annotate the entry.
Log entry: 3,40
